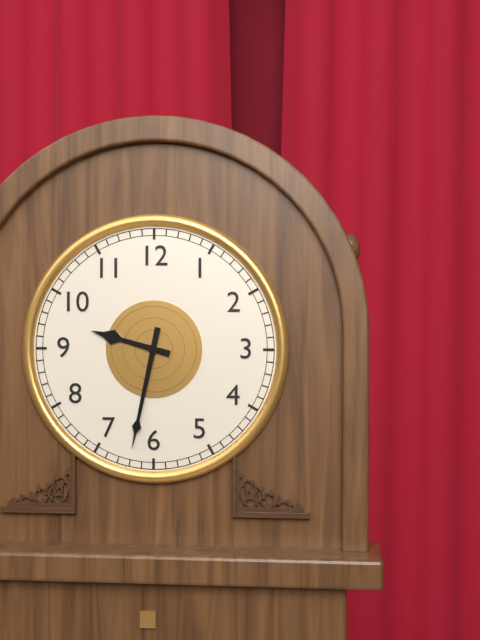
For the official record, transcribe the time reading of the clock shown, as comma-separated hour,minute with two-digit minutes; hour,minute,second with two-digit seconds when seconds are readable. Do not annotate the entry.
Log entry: 9,32
